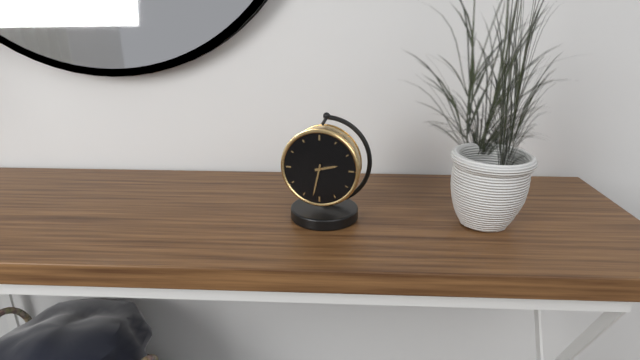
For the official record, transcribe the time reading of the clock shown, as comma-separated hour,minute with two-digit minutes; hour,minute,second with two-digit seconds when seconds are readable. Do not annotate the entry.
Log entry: 2,32
